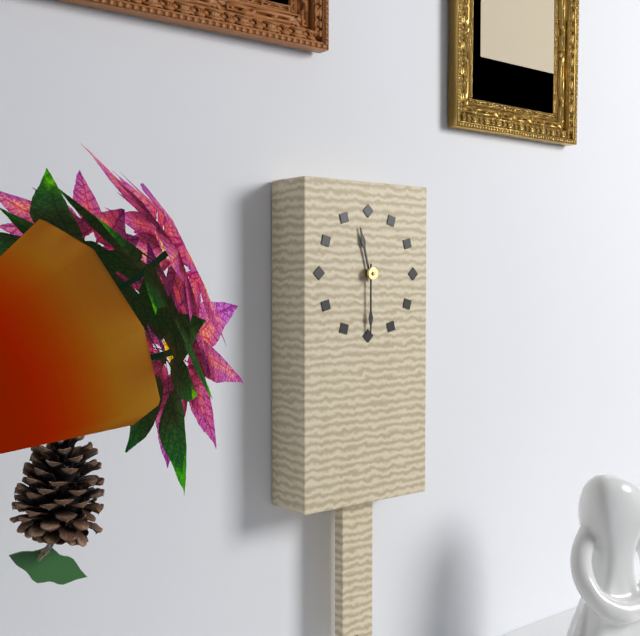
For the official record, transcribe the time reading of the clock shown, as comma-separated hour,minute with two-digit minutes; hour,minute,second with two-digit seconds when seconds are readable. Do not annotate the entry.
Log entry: 11,30
